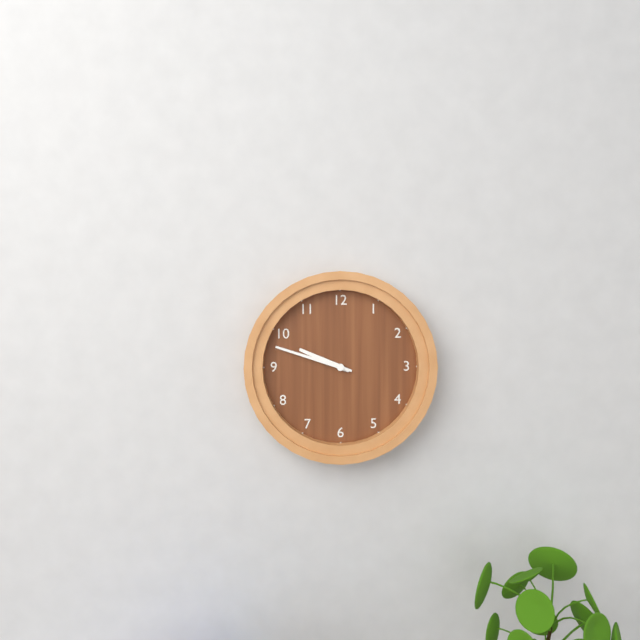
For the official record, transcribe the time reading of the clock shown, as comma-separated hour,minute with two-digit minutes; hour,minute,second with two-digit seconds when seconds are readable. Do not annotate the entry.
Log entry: 9,48
